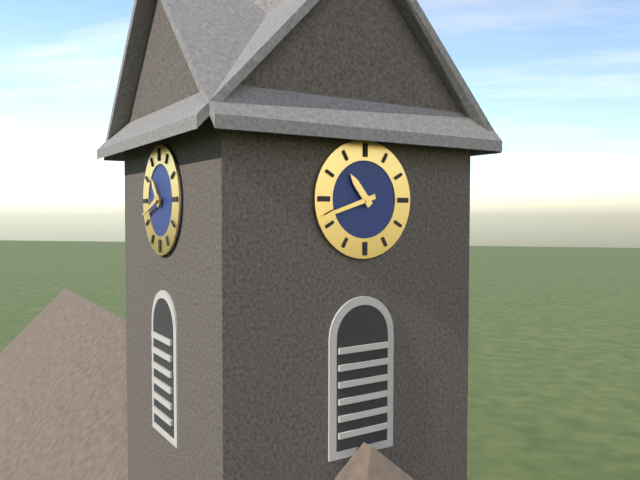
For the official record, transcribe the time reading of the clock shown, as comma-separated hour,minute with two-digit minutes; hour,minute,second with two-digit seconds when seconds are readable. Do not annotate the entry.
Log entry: 10,42
